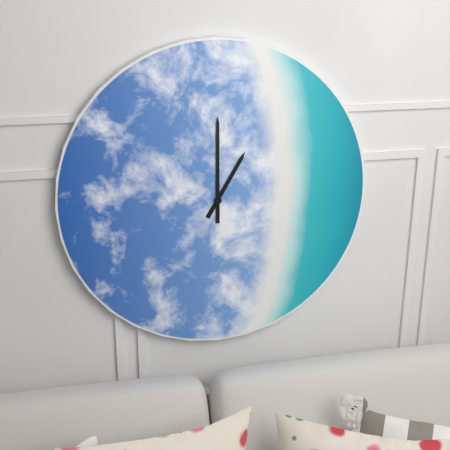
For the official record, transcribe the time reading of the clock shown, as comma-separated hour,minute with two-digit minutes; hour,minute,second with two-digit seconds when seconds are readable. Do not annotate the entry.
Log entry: 1,00
